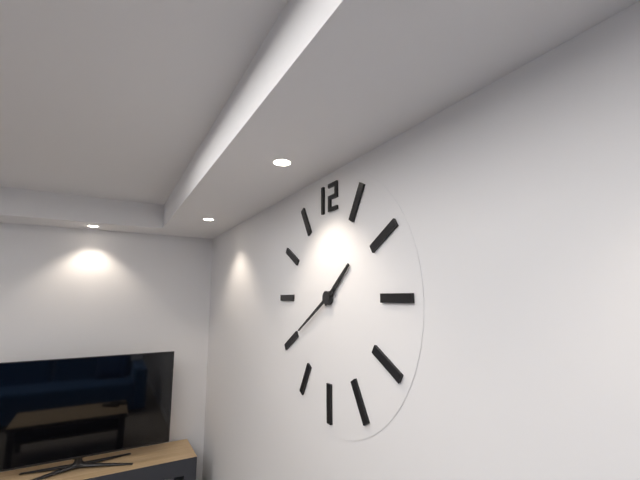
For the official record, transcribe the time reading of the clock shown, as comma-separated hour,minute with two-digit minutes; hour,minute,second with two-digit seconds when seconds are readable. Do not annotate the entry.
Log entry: 1,40
